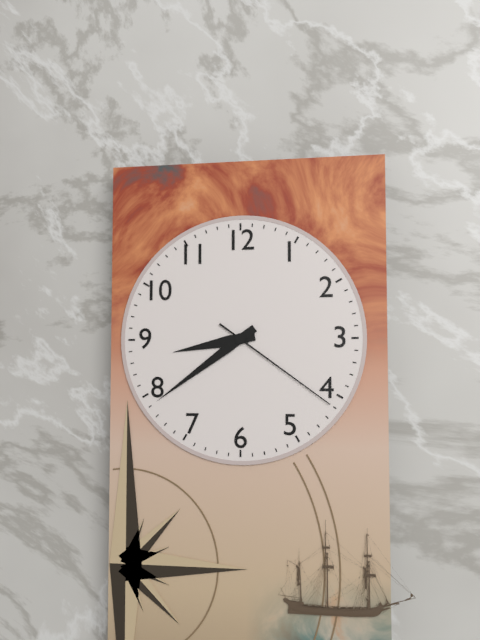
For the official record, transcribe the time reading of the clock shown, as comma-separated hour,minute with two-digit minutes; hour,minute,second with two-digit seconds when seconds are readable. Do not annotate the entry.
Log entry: 8,39,21
